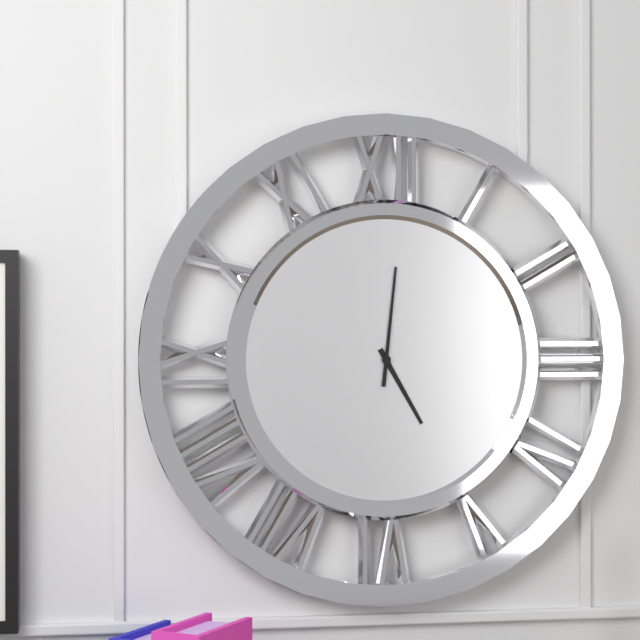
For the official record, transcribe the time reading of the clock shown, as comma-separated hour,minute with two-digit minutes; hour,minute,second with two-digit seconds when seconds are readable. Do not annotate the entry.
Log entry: 5,01
